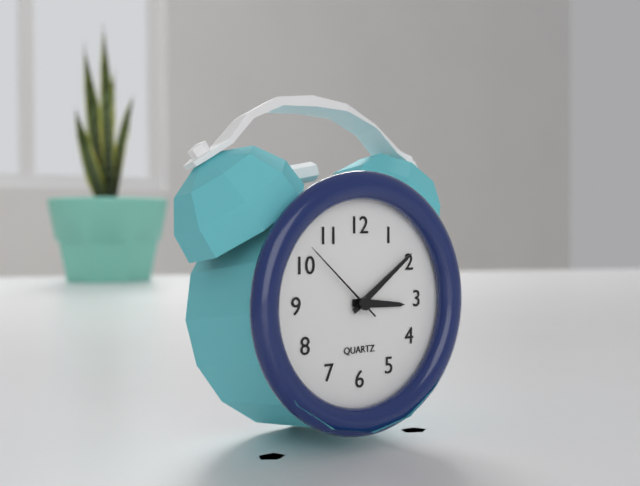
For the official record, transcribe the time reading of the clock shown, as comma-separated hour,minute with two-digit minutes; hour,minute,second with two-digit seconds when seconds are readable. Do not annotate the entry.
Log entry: 3,09,52
